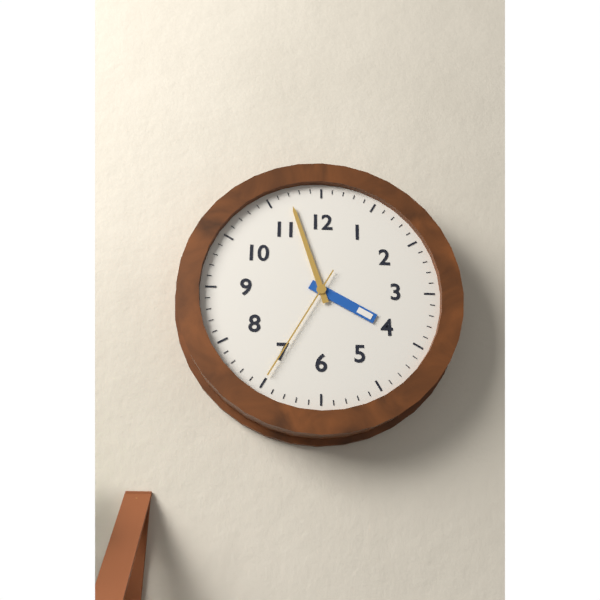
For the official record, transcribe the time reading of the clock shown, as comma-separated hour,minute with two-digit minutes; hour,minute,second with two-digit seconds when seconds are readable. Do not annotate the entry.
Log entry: 3,57,35
